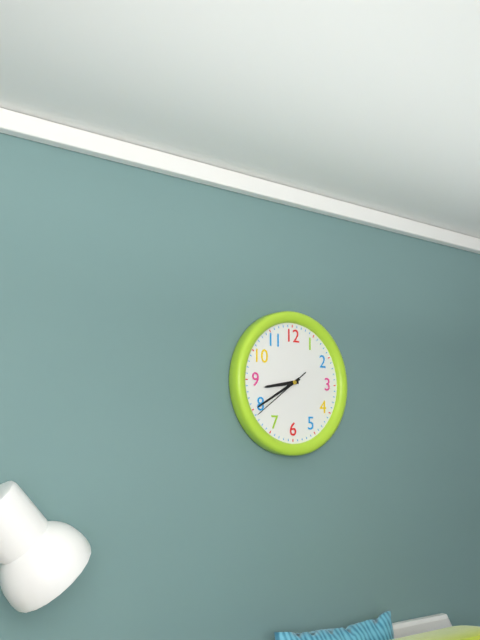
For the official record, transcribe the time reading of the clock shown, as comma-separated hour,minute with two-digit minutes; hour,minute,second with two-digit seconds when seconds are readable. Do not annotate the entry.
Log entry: 8,40,39
